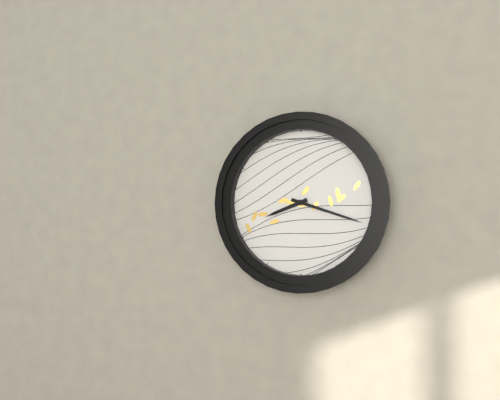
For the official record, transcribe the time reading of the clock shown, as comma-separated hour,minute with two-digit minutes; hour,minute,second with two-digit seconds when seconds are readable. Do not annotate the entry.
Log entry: 8,18
